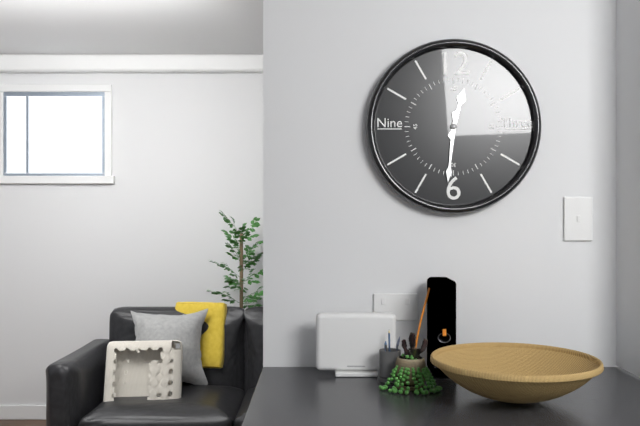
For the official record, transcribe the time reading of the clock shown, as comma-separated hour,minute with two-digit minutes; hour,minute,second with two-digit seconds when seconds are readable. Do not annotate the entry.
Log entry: 12,31
